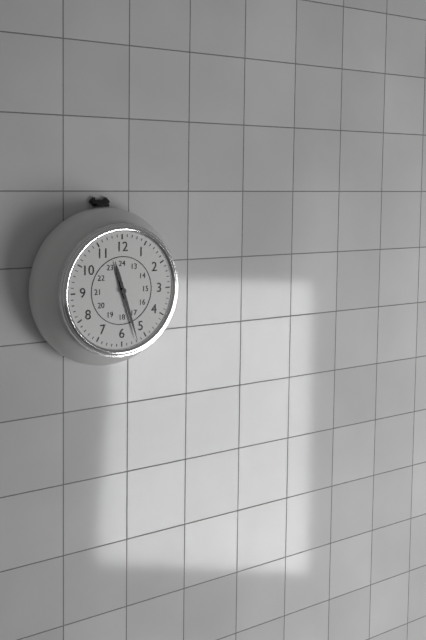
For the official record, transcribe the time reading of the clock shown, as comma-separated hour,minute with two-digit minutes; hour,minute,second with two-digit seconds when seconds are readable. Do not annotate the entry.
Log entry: 11,27
